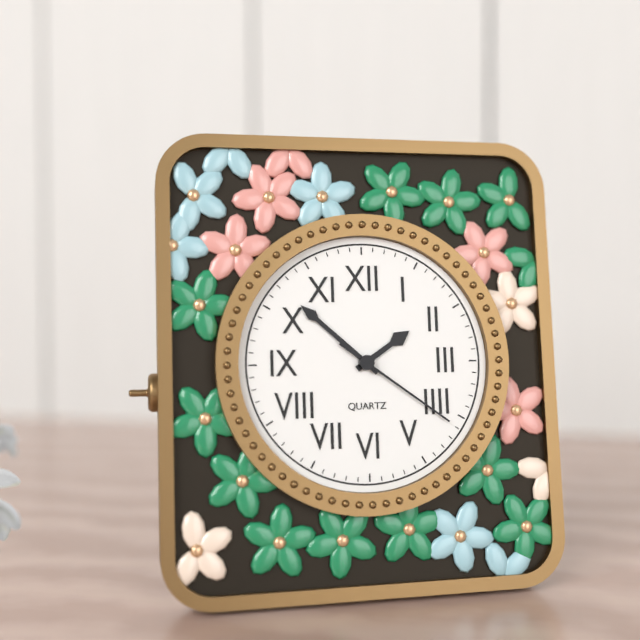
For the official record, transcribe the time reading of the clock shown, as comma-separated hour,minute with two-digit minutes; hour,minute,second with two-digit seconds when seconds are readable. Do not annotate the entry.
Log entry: 1,52,21
